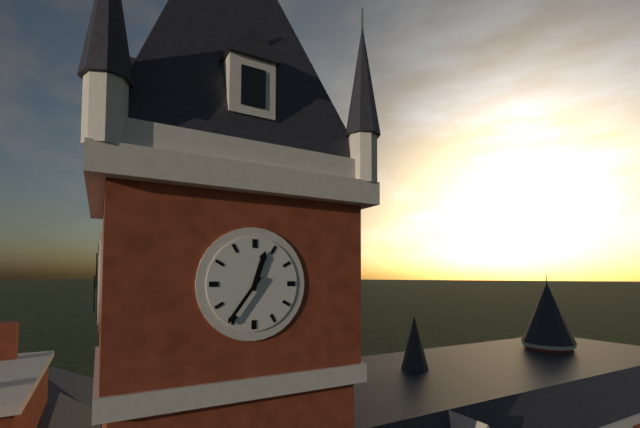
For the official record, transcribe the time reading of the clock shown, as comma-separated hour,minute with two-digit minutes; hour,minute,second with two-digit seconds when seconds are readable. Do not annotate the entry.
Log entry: 12,36
